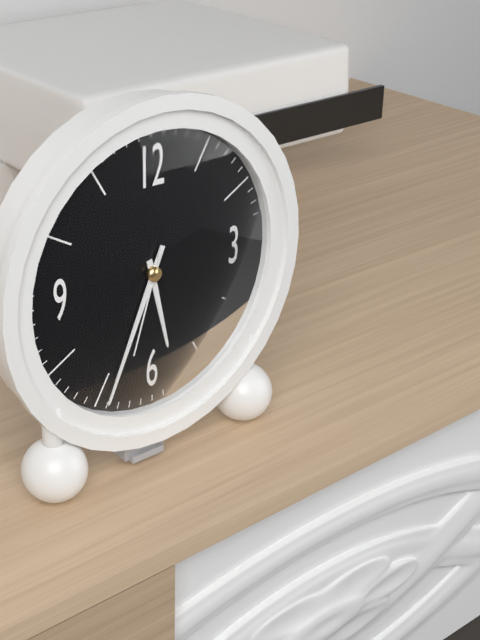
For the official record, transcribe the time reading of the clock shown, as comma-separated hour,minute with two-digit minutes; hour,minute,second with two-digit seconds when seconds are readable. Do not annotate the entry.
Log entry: 5,34,33
